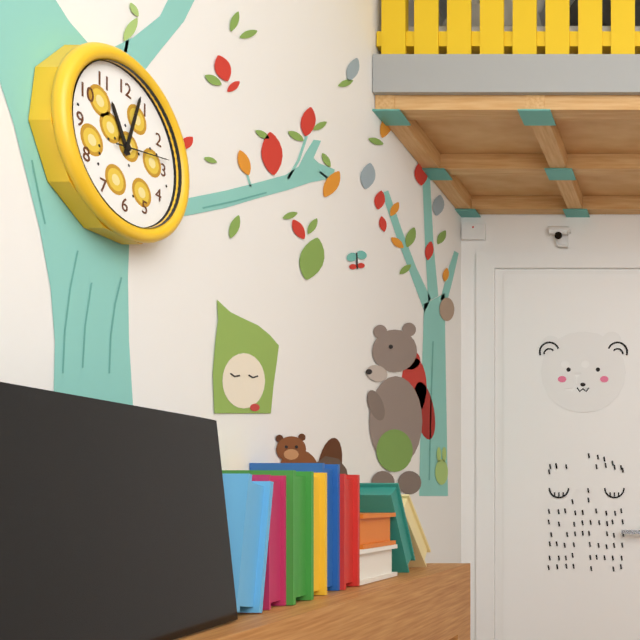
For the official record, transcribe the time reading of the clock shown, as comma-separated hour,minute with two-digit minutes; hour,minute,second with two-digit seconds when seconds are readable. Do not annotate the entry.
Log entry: 11,03,13
